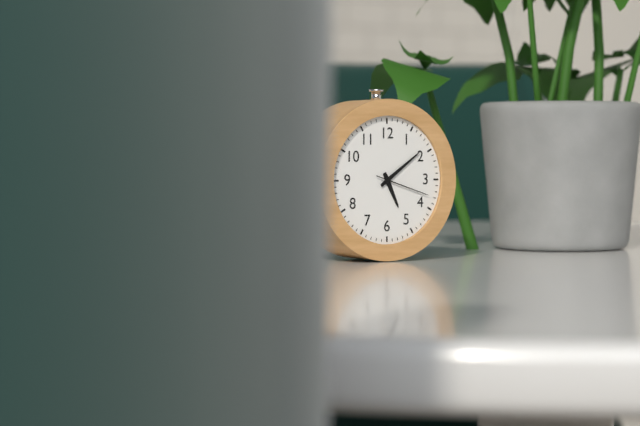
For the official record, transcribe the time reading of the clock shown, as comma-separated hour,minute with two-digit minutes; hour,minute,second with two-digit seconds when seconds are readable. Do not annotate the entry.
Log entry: 5,09,18
